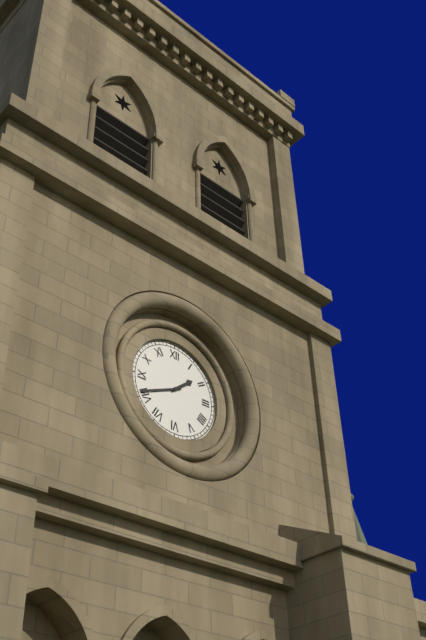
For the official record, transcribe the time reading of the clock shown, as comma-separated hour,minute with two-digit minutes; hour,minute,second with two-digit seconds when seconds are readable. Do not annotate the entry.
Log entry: 1,41
